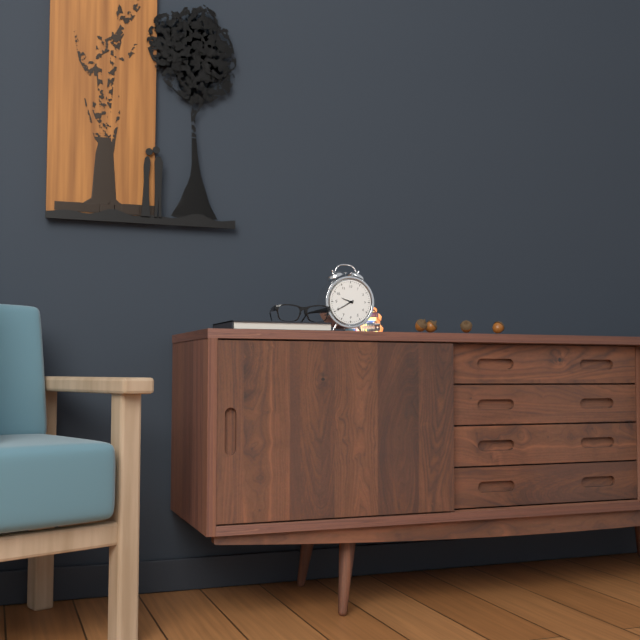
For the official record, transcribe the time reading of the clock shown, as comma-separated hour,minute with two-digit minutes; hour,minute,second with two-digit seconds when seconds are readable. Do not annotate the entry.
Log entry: 9,40
